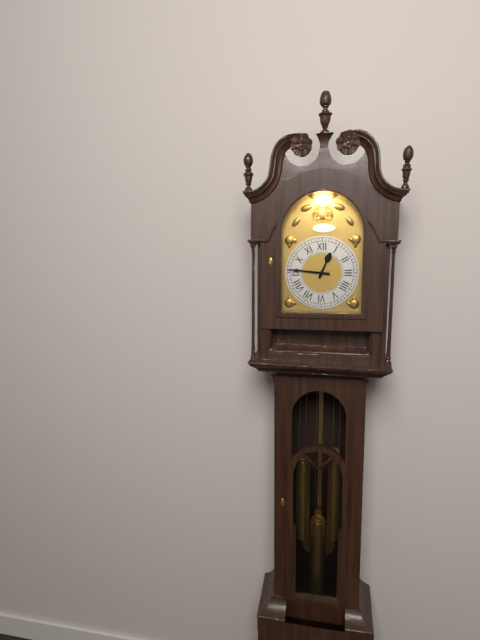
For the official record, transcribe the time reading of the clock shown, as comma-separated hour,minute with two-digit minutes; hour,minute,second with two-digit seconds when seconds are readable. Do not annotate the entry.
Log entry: 12,46
